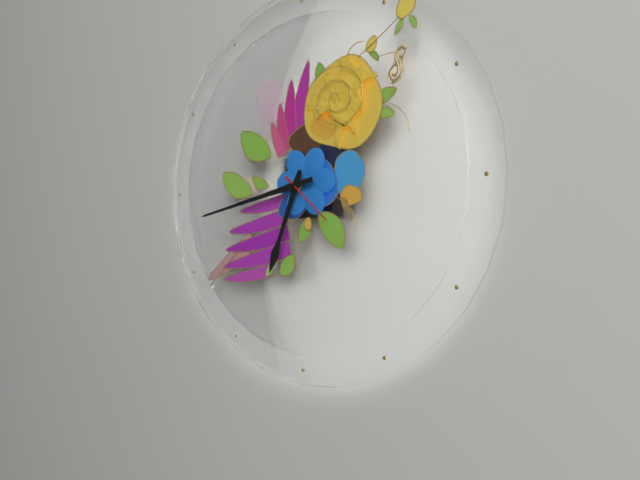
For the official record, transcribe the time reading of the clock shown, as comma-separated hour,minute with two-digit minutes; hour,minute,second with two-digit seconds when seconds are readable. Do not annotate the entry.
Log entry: 6,43,22
